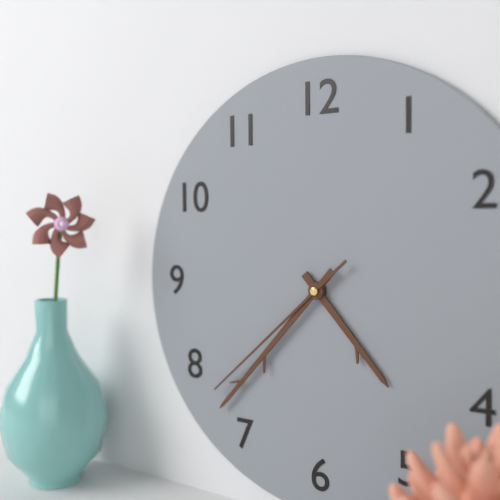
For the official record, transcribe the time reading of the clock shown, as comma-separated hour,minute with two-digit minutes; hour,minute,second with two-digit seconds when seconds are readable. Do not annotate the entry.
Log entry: 4,37,38
